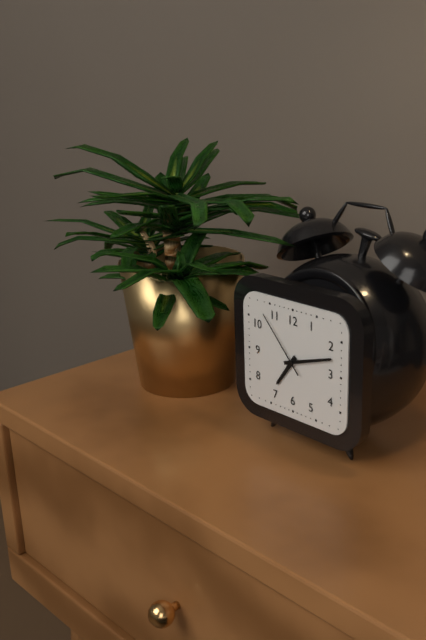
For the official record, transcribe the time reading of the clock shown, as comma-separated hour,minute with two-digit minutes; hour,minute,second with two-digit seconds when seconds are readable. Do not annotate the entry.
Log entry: 7,12,53
